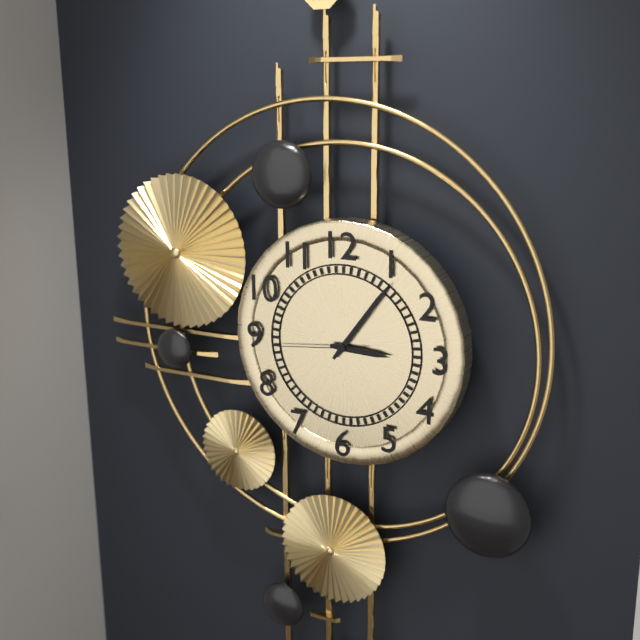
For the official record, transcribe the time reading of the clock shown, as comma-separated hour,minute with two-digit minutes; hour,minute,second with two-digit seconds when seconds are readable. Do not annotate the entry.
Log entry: 3,06,44
